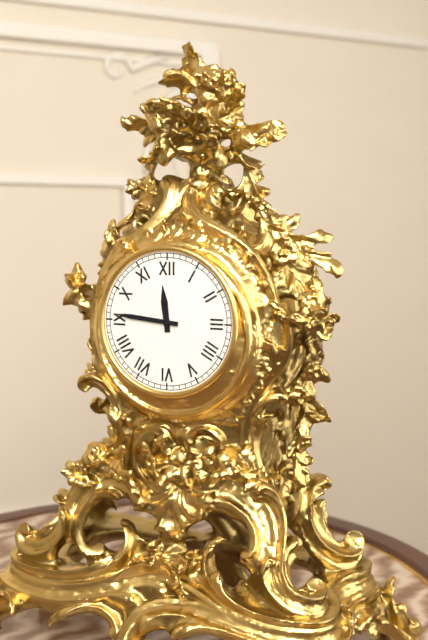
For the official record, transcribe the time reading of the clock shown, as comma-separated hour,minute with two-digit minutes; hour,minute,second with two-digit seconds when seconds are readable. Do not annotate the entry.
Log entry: 11,46
